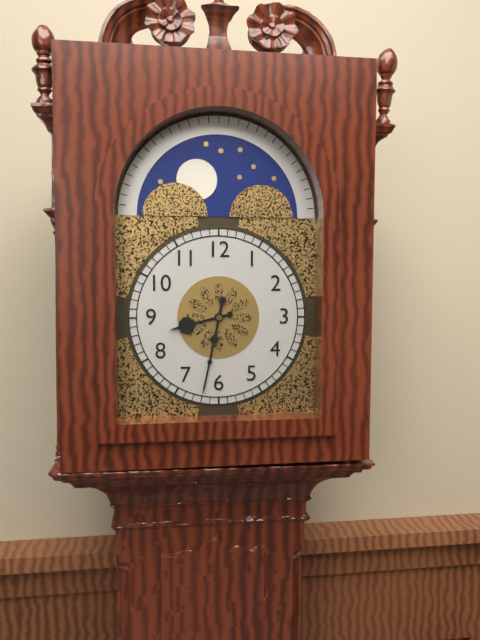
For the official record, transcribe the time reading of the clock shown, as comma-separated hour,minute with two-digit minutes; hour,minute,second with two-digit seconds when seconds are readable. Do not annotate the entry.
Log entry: 8,32
